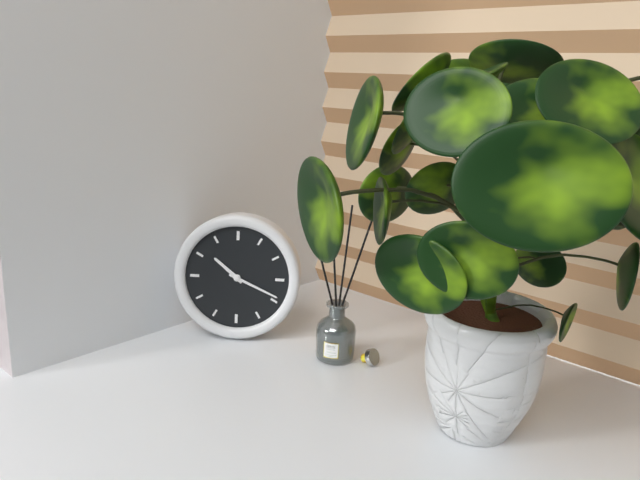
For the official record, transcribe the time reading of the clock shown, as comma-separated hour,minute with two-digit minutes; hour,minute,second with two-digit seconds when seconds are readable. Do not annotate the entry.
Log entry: 10,19
